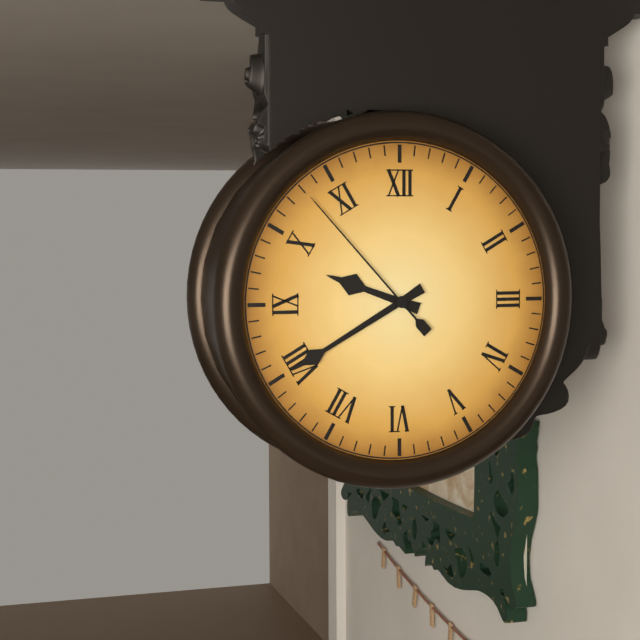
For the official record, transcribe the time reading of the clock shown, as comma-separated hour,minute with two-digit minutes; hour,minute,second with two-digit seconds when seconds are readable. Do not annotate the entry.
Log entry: 9,40,53
